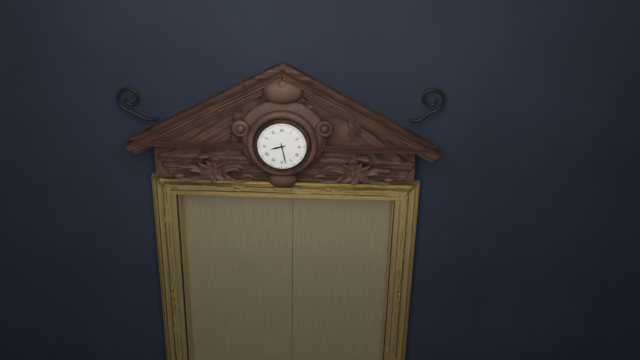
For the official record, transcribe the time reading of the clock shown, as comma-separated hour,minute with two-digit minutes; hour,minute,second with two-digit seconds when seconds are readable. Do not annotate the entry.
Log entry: 8,28
